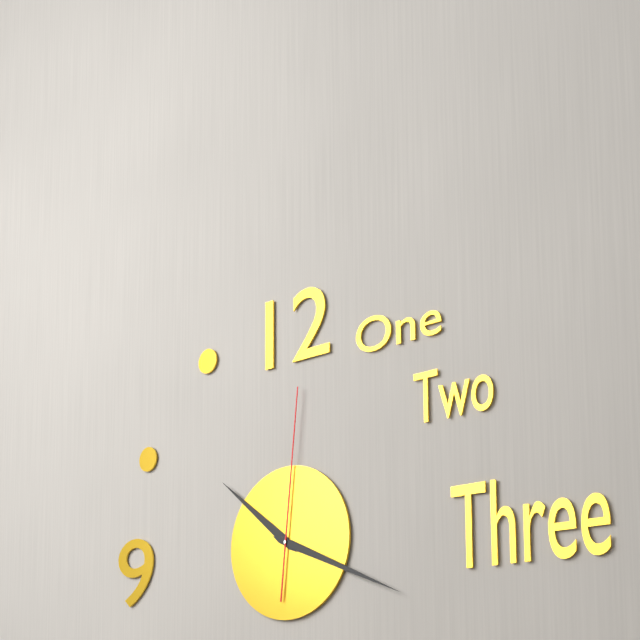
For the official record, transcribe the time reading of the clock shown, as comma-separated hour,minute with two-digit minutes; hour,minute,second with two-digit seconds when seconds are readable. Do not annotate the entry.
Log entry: 10,19,01
